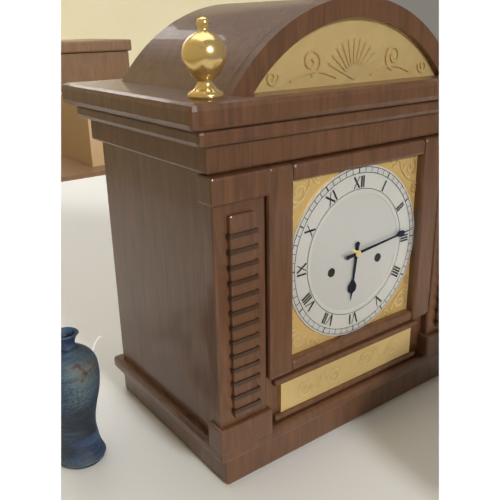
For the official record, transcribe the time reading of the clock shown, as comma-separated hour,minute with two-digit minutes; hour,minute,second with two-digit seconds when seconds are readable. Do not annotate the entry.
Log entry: 6,14
